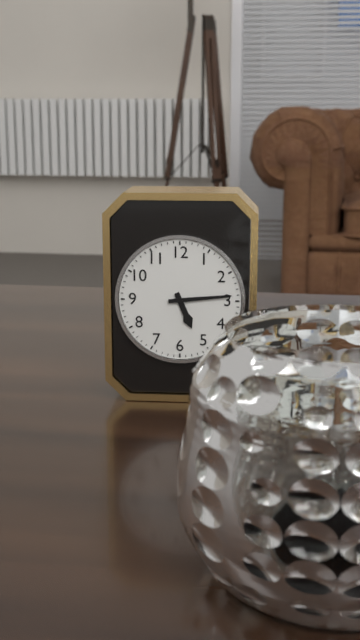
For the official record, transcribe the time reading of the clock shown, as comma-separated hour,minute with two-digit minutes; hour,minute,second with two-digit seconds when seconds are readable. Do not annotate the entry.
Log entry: 5,14
